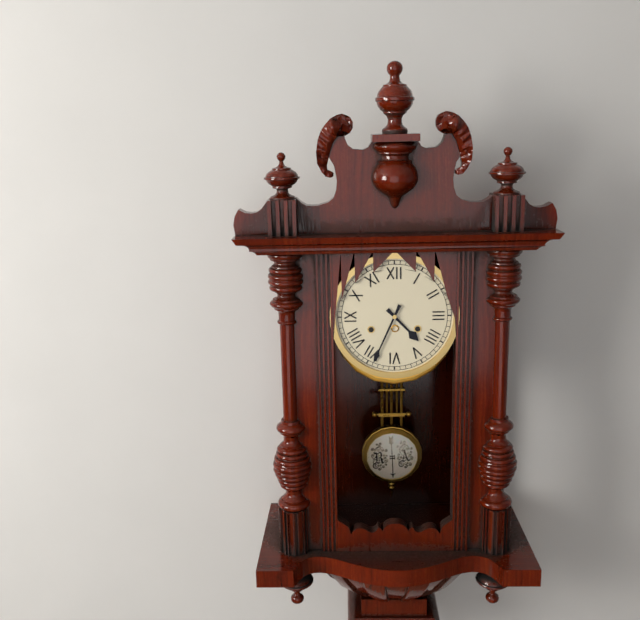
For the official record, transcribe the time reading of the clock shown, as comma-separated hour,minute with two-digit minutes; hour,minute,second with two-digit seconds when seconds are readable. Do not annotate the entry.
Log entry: 4,34
